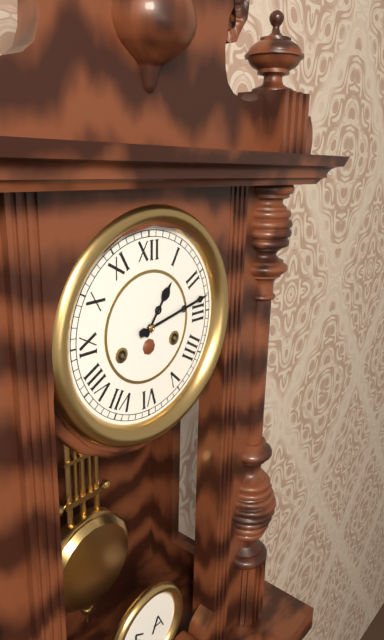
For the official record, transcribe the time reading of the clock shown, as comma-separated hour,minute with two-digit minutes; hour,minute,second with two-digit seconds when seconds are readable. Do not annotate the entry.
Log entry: 1,13
